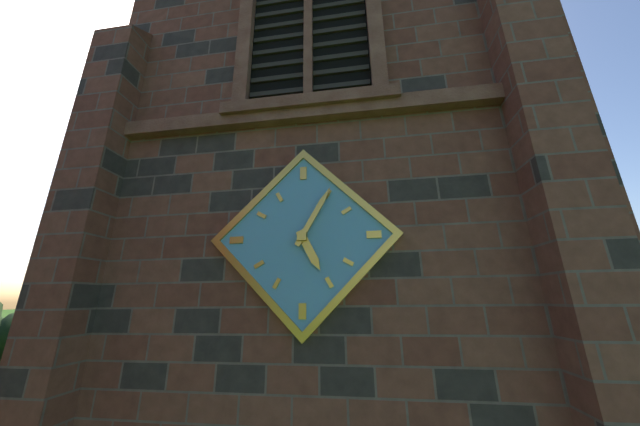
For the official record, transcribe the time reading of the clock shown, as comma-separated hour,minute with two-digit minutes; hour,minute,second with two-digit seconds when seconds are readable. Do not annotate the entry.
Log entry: 5,05
